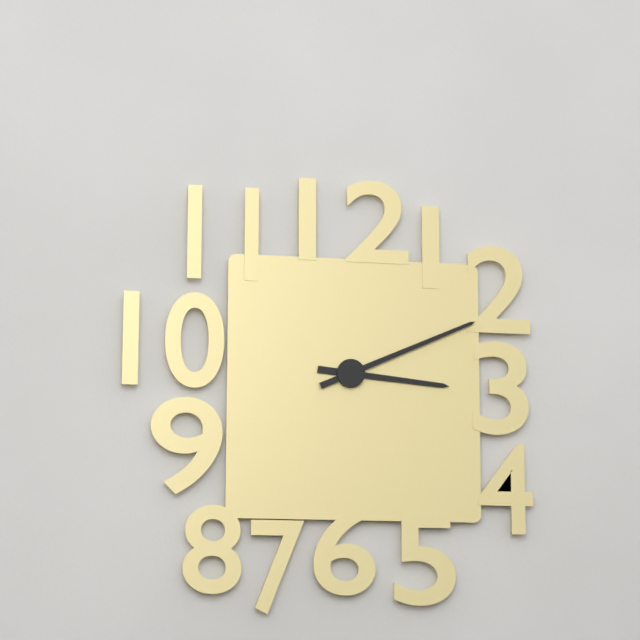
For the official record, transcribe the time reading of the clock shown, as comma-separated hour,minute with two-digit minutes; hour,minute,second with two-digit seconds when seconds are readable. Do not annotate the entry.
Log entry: 3,11
